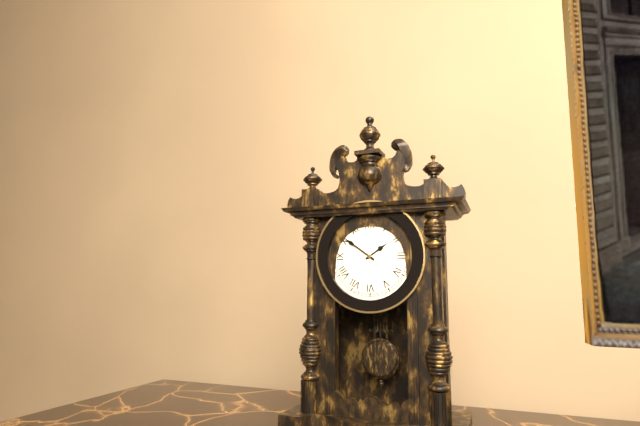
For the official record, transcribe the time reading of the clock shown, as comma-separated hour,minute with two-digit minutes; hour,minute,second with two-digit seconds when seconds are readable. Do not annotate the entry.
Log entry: 1,51
